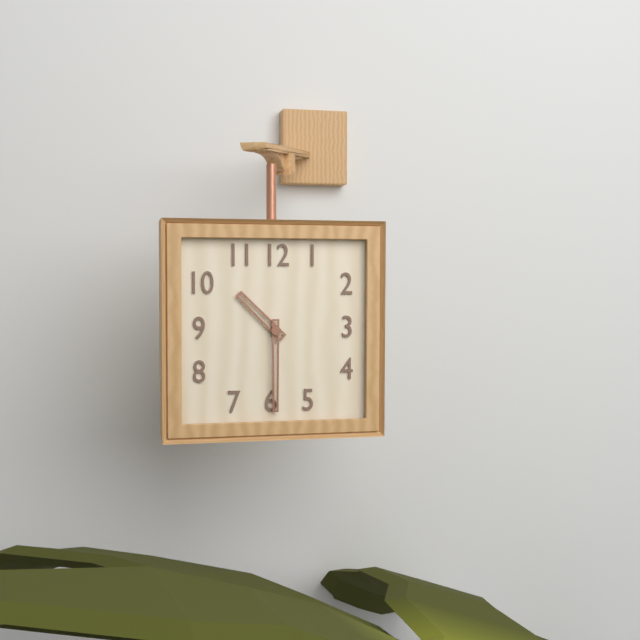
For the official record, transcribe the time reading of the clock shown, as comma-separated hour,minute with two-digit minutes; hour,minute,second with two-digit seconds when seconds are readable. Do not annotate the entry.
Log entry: 10,30
